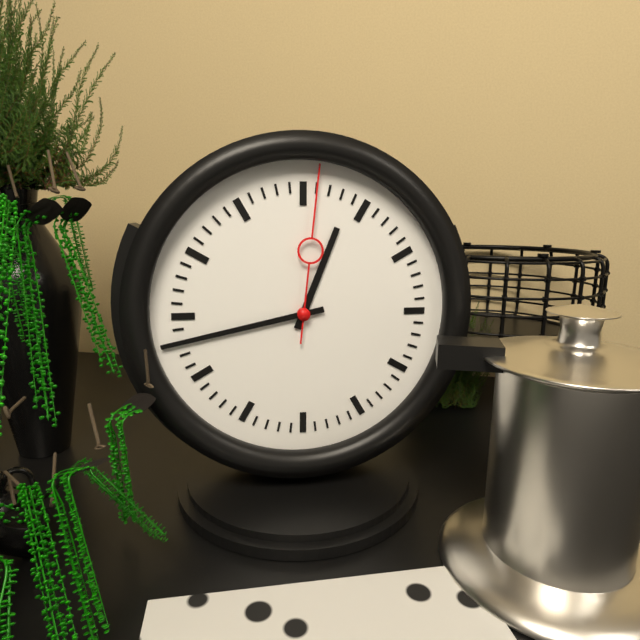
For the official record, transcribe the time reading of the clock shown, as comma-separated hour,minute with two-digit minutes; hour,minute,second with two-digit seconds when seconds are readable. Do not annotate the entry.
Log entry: 12,43,01
